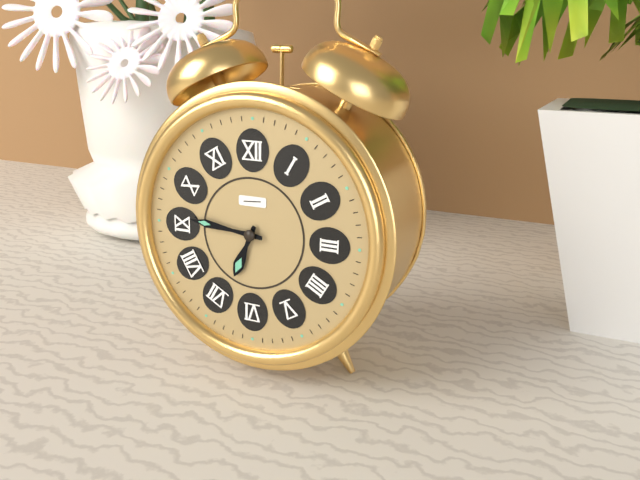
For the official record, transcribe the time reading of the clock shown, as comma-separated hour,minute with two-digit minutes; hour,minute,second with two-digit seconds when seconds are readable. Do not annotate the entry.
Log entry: 6,46
